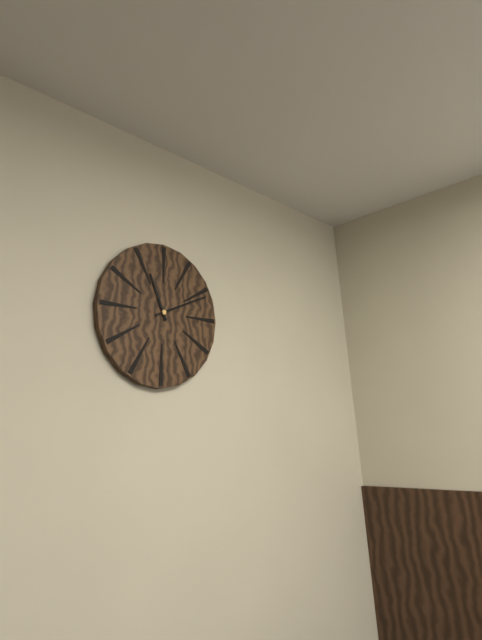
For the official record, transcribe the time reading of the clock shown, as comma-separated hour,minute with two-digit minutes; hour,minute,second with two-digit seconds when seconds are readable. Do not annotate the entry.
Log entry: 11,11
